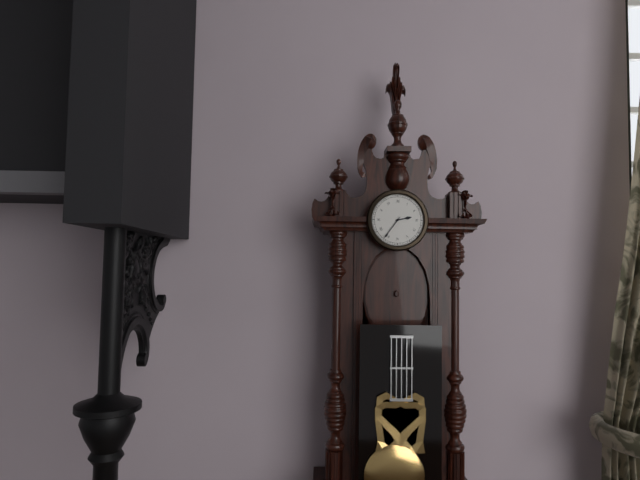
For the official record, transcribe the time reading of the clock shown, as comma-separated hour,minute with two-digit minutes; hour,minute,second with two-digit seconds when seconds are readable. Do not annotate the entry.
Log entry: 2,36
